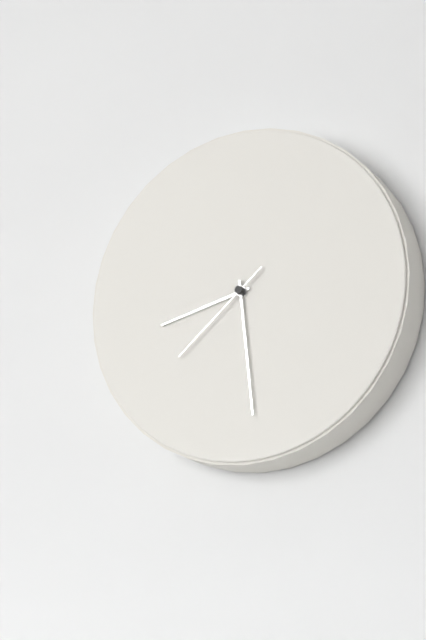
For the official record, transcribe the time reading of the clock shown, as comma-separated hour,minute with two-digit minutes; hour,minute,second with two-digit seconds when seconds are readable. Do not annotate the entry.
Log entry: 8,29,38
